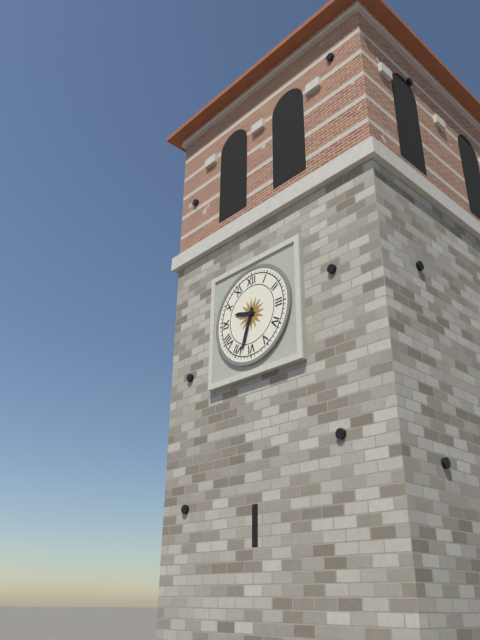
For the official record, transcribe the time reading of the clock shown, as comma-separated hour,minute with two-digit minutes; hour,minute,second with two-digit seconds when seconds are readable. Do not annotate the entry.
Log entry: 9,33
